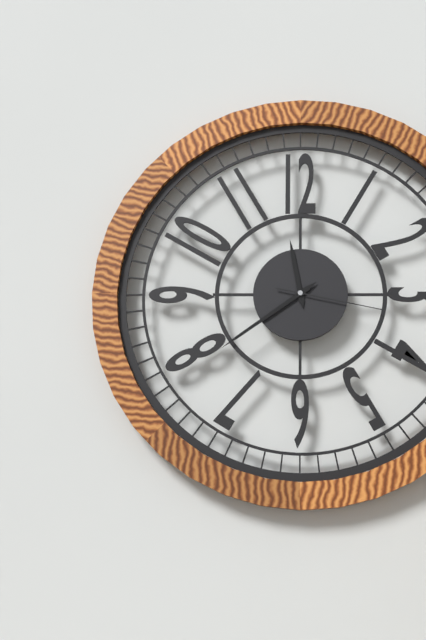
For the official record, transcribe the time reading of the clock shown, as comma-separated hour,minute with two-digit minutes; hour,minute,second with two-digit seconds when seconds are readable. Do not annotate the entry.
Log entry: 11,39,17
